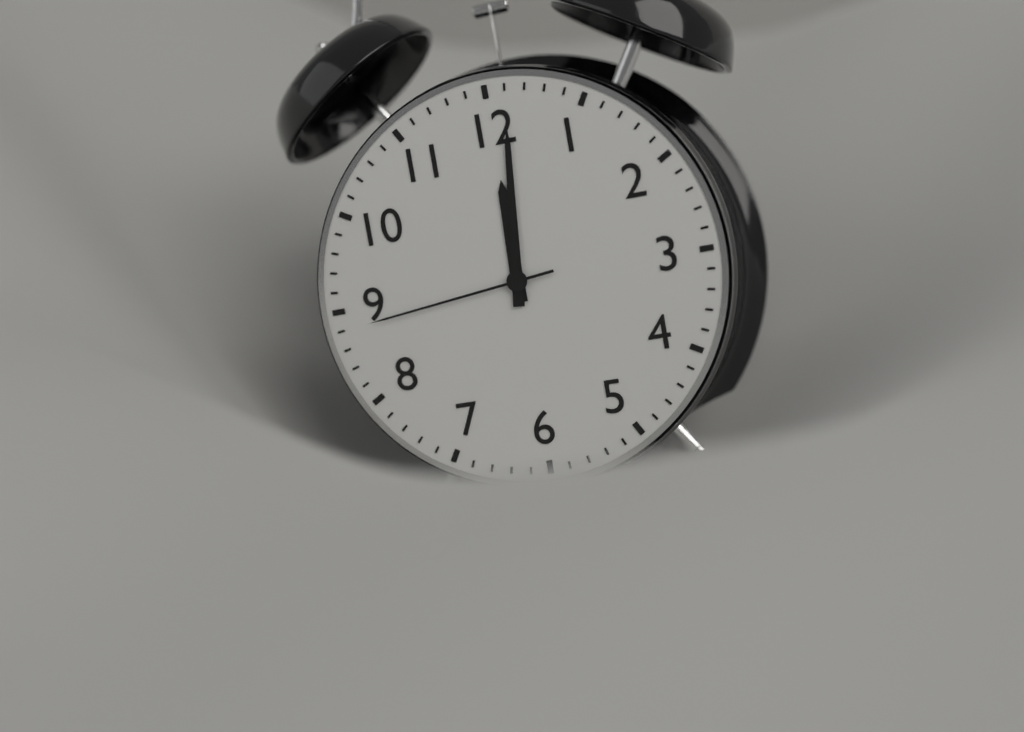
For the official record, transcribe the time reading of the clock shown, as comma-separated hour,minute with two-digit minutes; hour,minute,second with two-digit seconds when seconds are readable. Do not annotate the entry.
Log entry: 12,01,44
